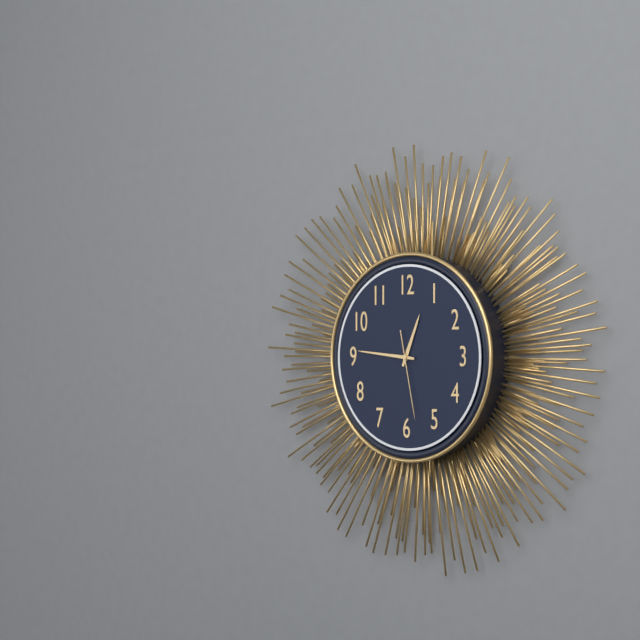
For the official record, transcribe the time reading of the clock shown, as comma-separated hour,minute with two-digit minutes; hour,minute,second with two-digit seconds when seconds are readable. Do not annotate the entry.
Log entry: 12,46,28
